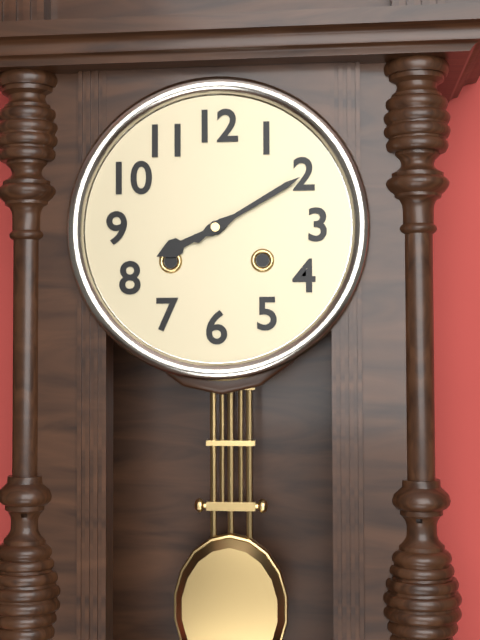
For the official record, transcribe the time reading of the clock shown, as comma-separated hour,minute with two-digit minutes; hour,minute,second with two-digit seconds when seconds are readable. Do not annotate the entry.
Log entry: 8,10
